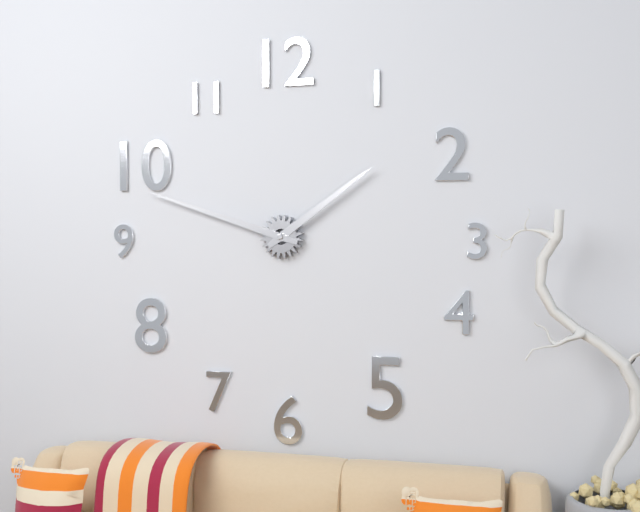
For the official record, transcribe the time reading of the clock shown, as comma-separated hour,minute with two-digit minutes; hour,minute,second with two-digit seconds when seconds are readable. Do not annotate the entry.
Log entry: 1,48
